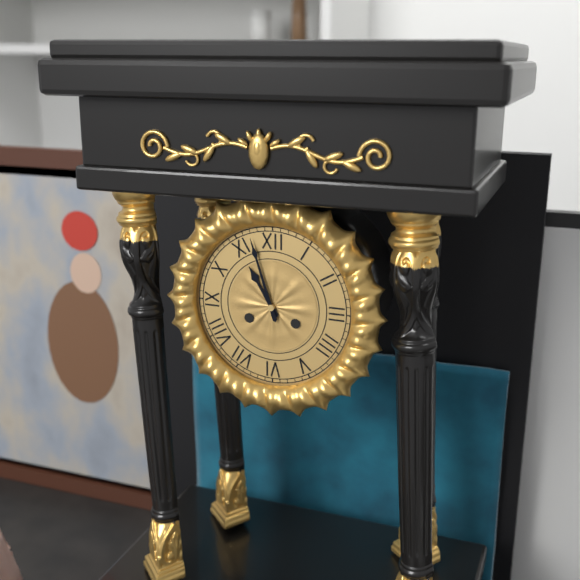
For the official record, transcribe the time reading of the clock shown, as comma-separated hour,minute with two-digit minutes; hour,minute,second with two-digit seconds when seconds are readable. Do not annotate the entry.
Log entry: 10,57
